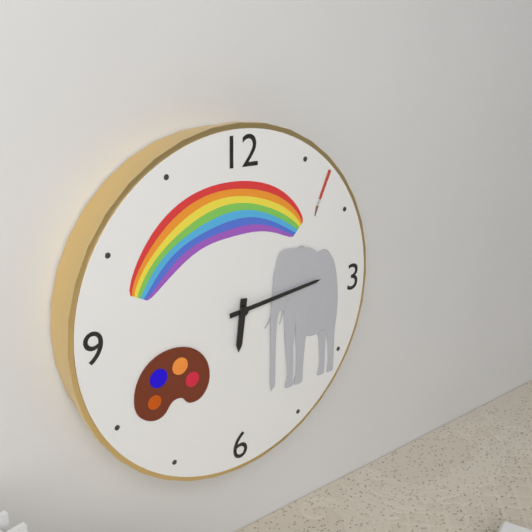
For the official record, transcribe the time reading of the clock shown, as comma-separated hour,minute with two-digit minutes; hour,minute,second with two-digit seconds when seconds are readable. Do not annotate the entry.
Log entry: 6,14
